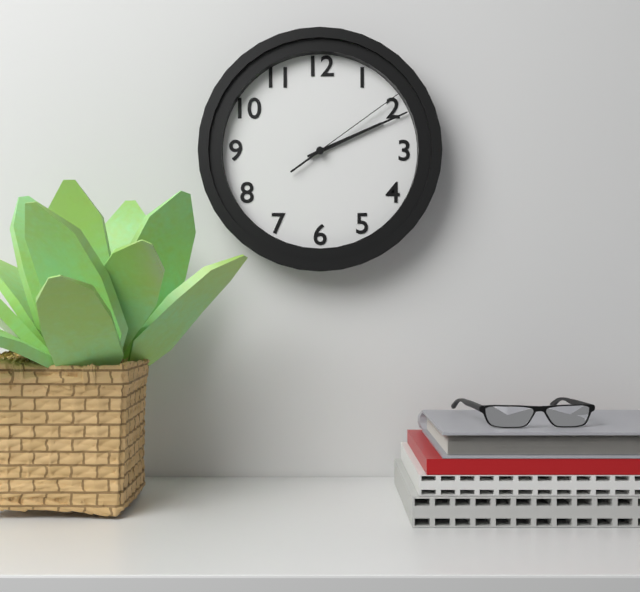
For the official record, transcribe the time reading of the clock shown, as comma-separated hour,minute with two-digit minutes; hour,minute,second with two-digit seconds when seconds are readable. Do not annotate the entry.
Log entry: 2,11,09
